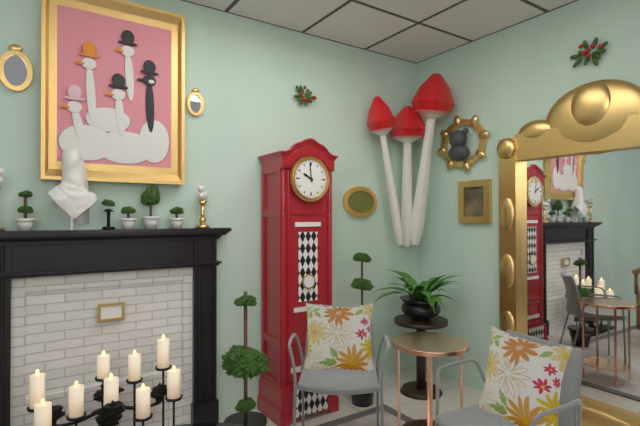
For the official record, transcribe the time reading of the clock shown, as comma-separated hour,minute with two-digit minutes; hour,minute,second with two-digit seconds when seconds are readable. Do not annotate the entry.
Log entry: 9,59
